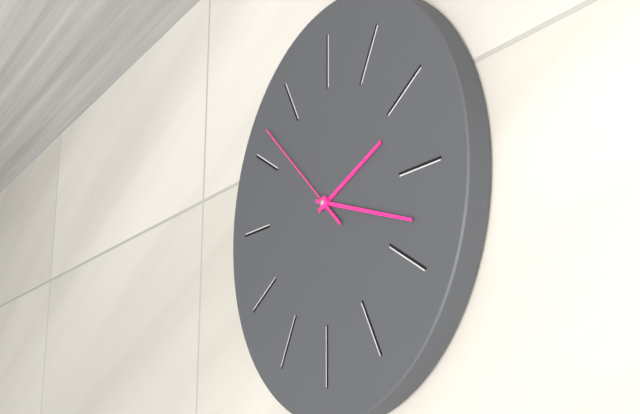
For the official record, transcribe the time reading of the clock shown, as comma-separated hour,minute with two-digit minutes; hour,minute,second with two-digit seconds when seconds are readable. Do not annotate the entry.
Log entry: 2,18,52
